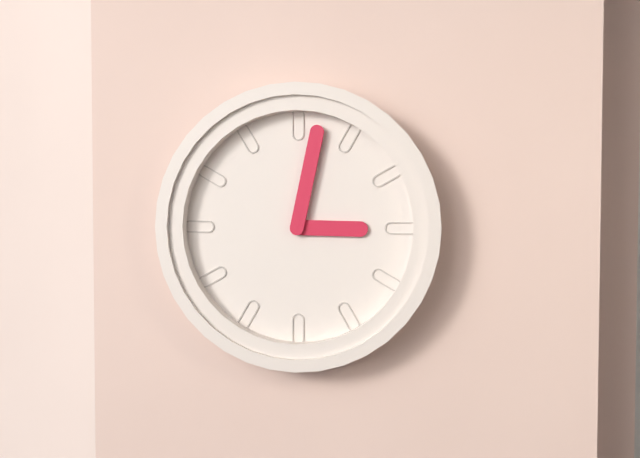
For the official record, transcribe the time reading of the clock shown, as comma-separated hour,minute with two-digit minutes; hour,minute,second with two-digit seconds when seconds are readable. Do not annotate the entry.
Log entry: 3,02
